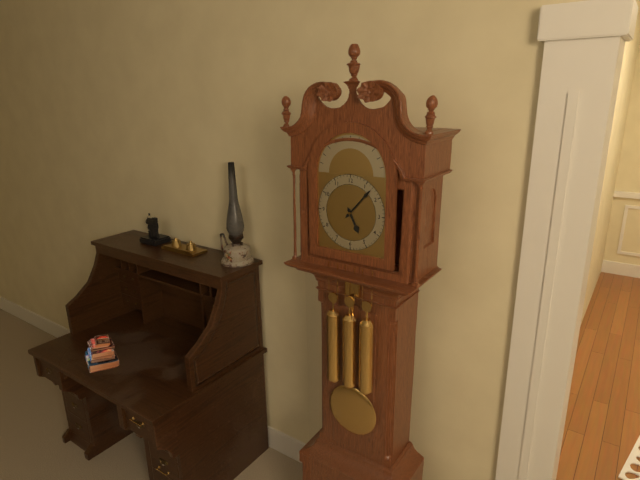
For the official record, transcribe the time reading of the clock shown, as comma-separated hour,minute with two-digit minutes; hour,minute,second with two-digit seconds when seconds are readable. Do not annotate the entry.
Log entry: 5,07
